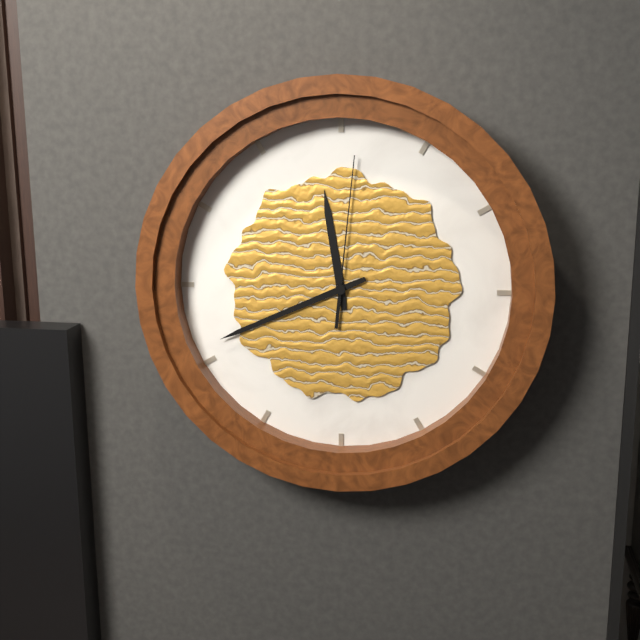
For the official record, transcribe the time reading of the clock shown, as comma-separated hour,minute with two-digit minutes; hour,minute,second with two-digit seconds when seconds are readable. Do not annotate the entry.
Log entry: 11,41,01
